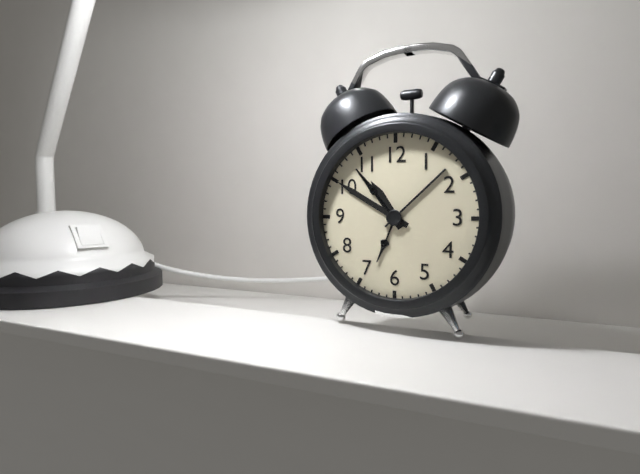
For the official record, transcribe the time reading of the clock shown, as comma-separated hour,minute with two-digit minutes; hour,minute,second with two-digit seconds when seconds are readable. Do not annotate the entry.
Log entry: 10,50
